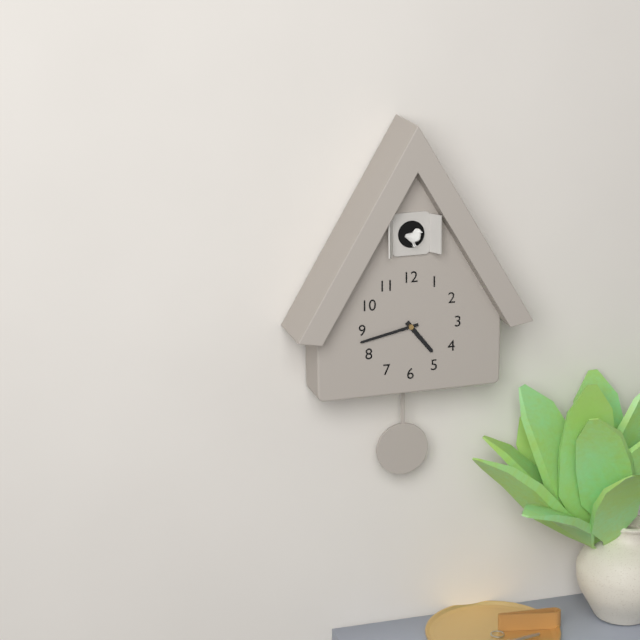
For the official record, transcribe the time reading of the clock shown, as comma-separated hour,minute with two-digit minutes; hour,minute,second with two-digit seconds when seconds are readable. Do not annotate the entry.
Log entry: 4,43
